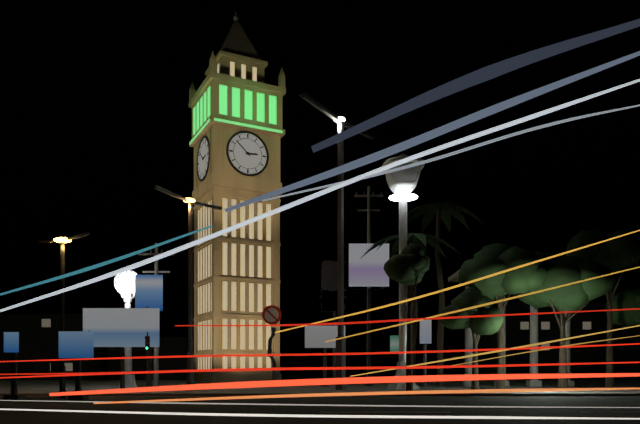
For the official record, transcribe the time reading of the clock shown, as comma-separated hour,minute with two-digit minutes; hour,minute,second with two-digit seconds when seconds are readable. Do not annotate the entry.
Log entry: 2,52
